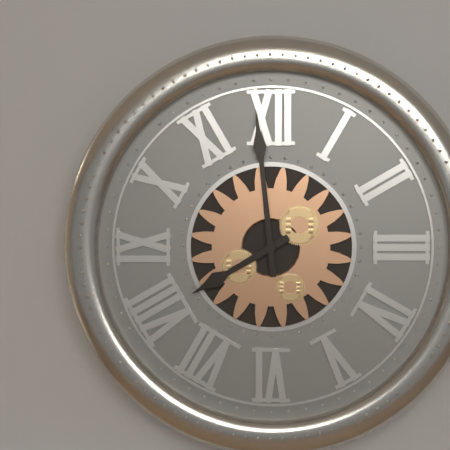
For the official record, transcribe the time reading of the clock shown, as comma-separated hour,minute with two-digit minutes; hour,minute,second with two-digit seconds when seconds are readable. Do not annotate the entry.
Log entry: 7,59
